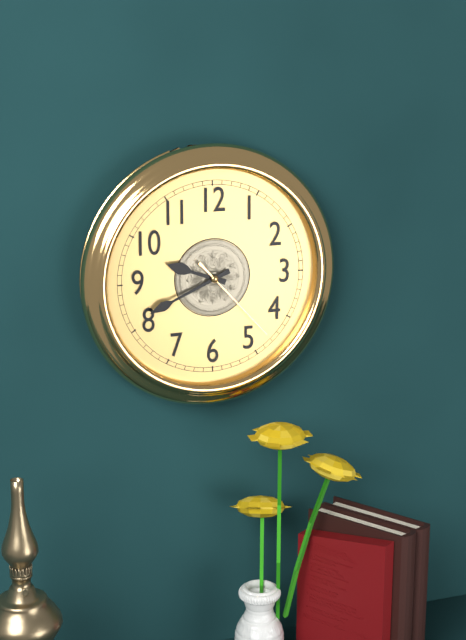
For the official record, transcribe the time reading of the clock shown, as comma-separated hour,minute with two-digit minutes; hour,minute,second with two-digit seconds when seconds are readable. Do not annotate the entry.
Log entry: 9,41,23
